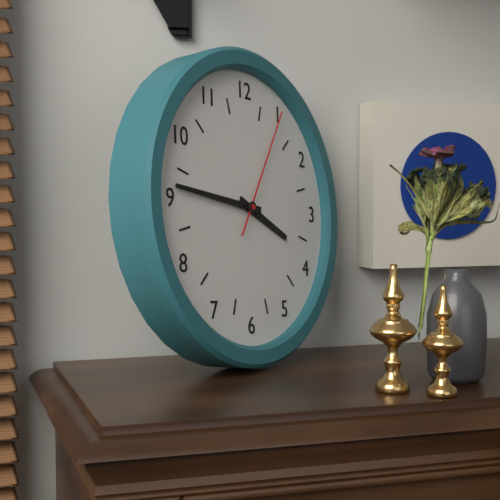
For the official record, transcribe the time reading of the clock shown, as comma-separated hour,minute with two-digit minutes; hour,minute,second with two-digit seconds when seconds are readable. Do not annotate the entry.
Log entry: 3,46,05
